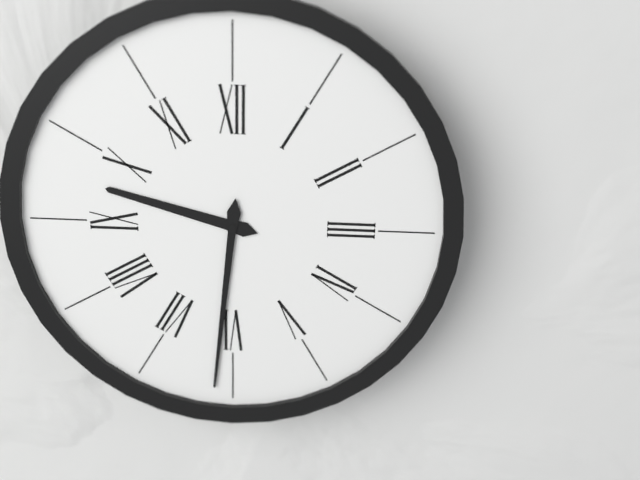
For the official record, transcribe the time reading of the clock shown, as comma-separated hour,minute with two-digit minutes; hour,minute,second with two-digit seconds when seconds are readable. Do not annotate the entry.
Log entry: 9,31
